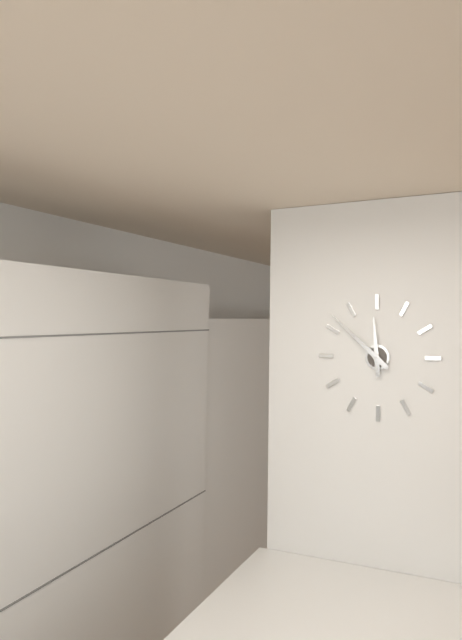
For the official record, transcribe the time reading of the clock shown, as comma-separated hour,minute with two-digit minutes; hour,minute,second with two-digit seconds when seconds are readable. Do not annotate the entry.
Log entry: 11,52
